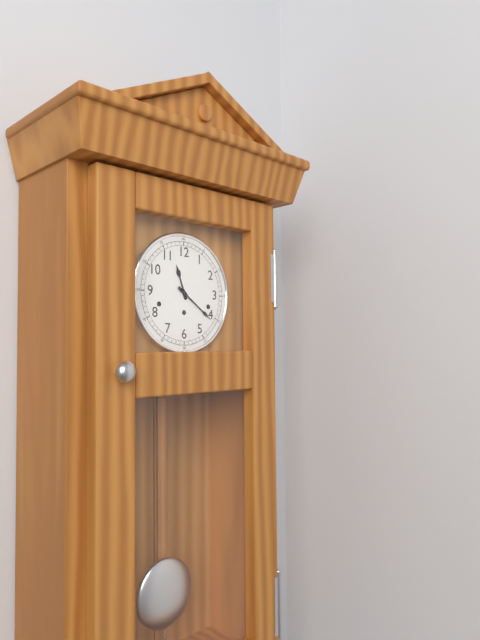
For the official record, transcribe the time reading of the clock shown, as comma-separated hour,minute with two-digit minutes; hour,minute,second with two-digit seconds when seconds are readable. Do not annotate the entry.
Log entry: 11,21
